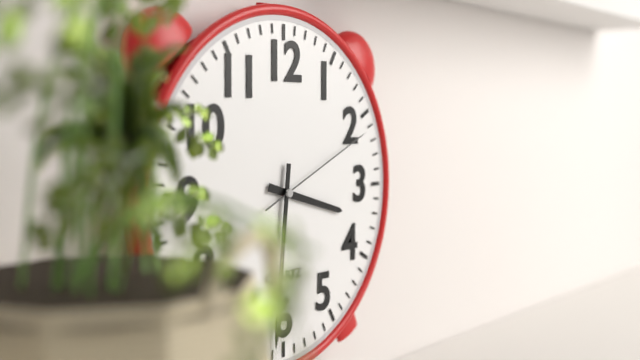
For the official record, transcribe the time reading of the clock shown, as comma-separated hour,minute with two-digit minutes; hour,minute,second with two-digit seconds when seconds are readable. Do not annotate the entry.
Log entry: 3,31,11
